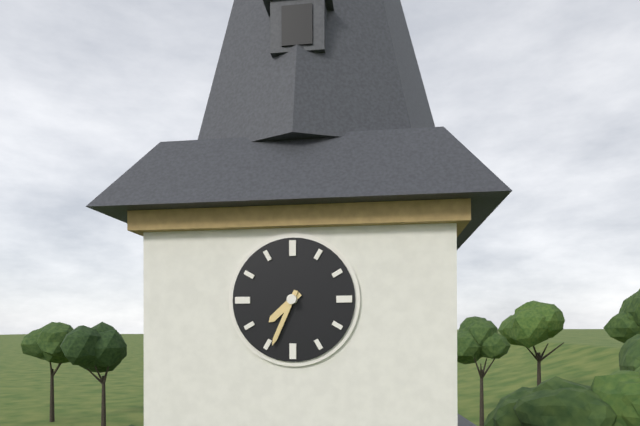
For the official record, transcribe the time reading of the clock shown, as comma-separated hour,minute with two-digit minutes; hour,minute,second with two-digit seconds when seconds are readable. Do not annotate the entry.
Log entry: 7,34
